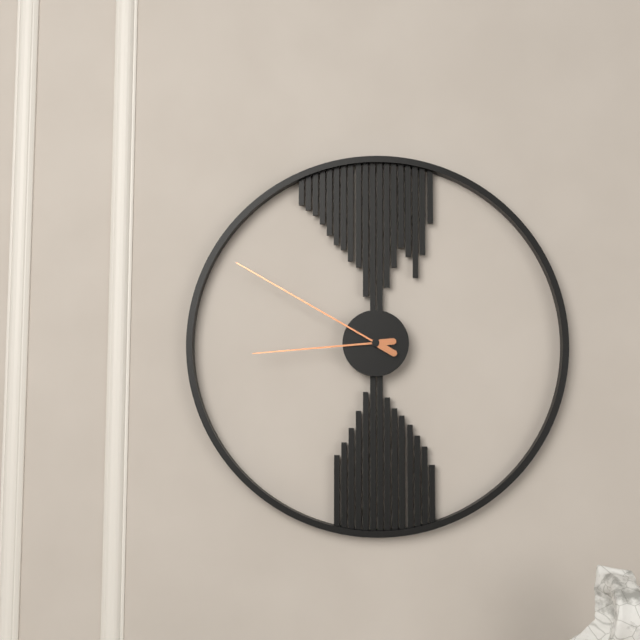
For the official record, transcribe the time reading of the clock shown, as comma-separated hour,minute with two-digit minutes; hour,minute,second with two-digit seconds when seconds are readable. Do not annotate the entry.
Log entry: 8,50
